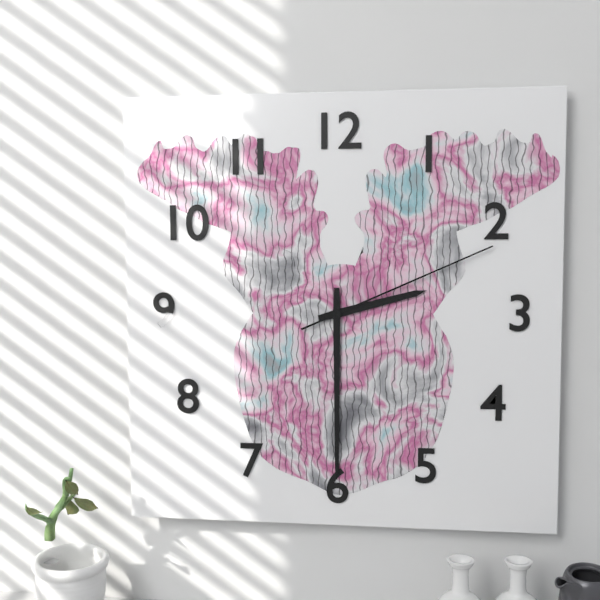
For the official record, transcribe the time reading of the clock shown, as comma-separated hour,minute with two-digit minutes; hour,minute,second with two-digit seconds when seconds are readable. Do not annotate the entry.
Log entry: 2,30,11
